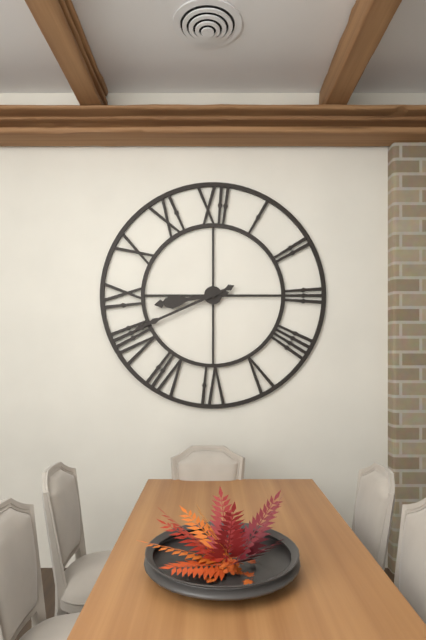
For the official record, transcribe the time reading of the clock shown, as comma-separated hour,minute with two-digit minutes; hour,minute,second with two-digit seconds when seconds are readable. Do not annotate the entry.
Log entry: 8,41
